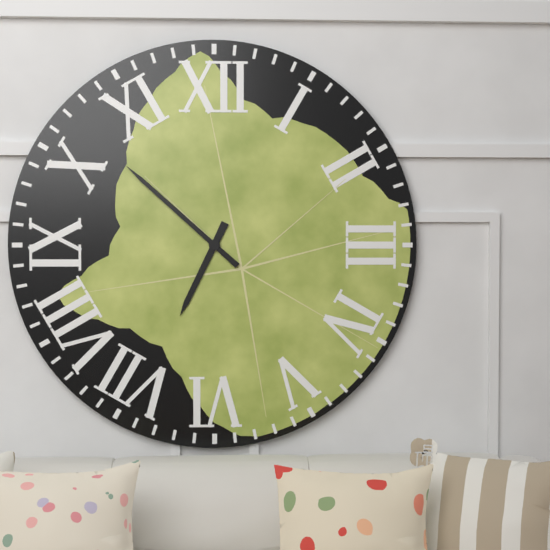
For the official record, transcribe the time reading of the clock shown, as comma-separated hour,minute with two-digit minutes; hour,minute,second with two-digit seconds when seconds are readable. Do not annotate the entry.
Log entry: 6,52
